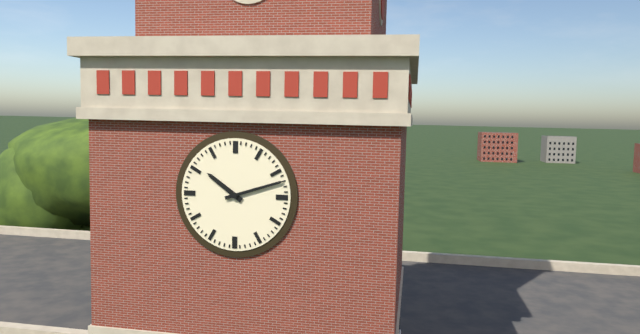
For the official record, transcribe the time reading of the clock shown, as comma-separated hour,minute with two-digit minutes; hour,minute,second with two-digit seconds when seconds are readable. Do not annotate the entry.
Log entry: 10,12
